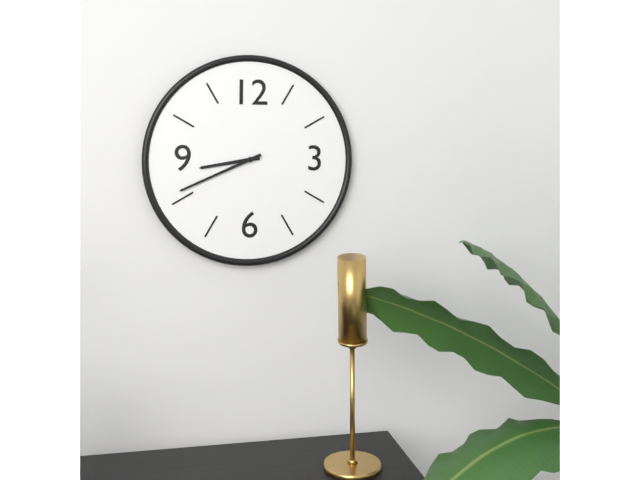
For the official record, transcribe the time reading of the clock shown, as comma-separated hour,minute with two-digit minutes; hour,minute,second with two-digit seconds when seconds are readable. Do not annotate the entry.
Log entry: 8,41
